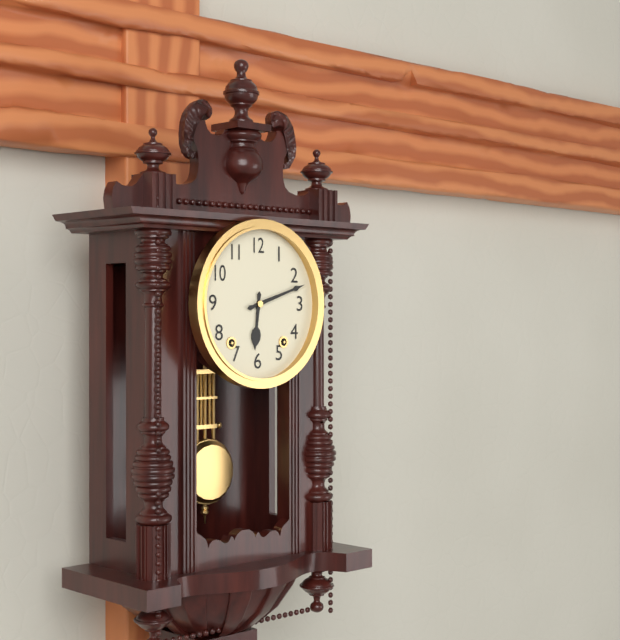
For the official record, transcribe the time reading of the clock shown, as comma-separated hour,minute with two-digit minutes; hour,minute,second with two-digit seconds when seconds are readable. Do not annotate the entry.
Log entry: 6,12
